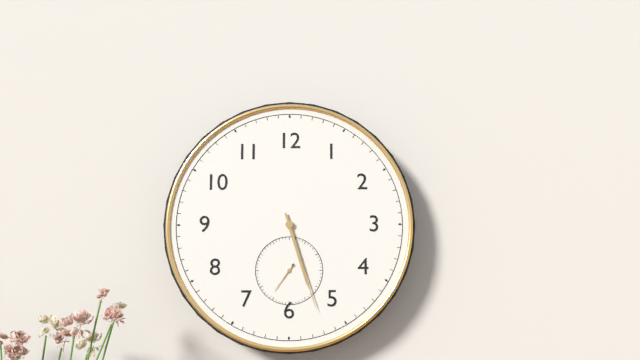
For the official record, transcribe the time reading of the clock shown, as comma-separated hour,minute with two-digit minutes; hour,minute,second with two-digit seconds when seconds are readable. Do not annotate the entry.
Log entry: 5,27
